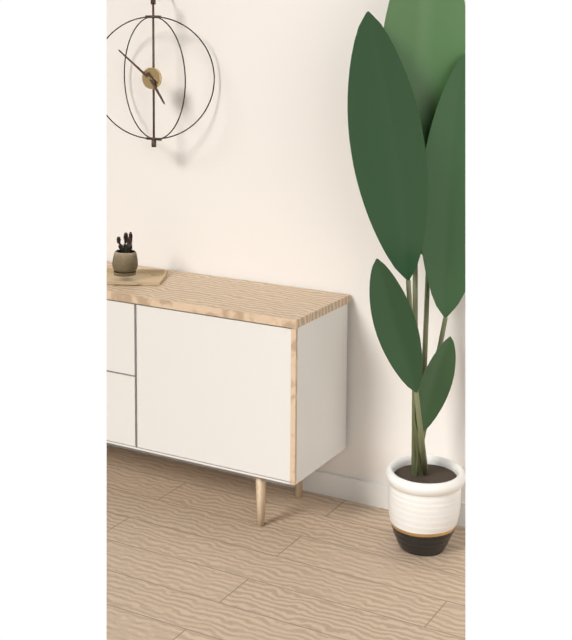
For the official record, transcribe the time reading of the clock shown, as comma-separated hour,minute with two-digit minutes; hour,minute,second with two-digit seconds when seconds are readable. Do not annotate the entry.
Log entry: 4,51
